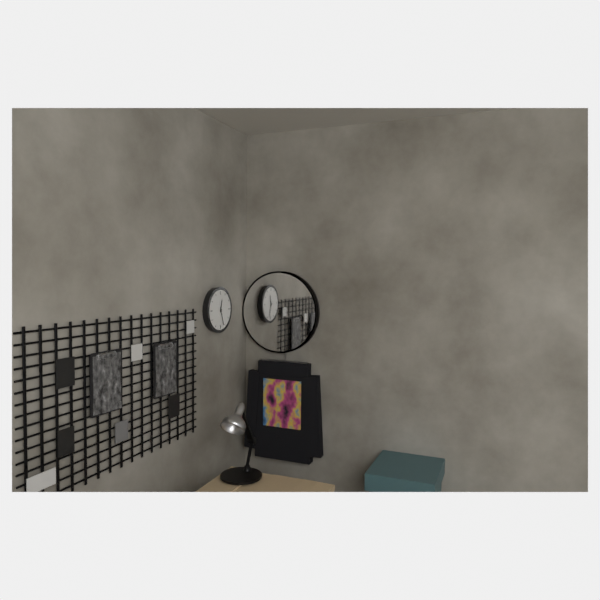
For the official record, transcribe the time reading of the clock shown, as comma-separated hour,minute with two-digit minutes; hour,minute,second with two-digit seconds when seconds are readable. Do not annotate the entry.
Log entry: 12,27
